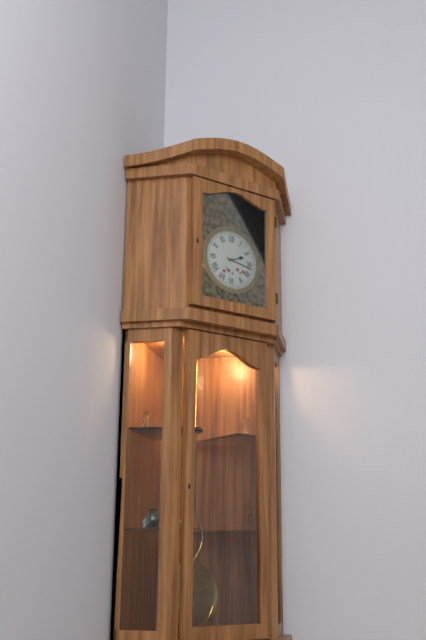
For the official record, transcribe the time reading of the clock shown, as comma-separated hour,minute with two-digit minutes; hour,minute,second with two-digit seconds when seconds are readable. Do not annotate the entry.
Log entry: 2,17
